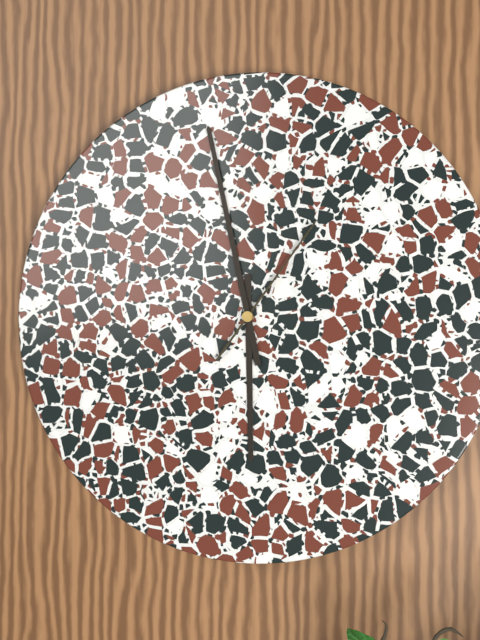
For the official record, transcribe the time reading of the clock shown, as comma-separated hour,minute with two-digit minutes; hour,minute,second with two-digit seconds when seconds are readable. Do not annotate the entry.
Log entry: 5,58,06
